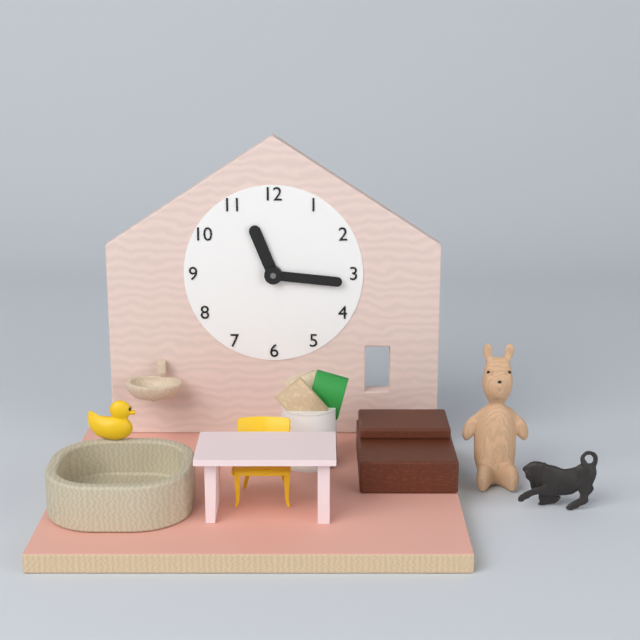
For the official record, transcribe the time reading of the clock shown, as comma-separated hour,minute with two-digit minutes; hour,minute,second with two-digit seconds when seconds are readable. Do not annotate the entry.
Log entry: 11,16
